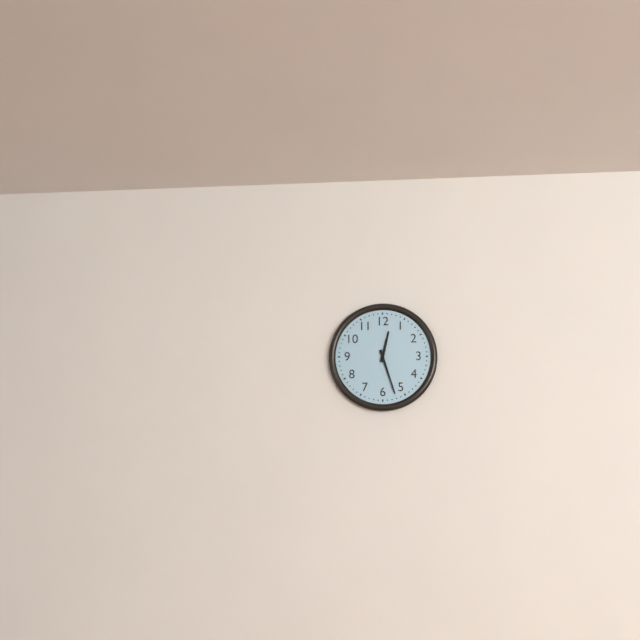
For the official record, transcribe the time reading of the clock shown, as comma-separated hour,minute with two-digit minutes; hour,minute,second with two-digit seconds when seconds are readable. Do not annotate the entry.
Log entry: 12,27
